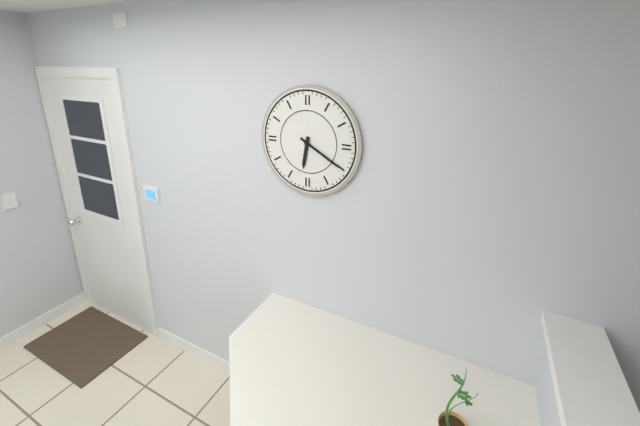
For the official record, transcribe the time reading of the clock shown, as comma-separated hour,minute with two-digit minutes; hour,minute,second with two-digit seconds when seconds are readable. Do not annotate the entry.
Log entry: 6,20
